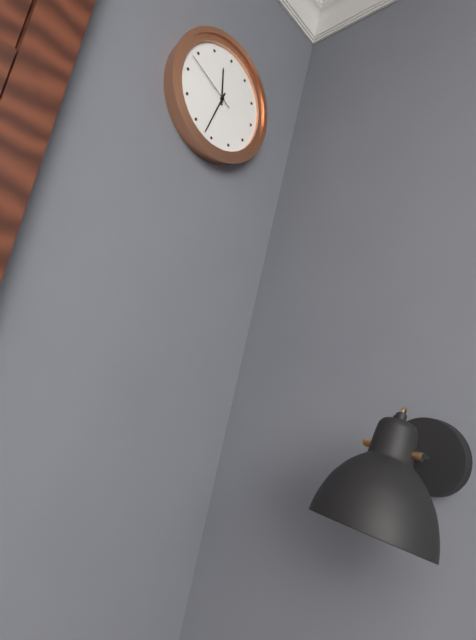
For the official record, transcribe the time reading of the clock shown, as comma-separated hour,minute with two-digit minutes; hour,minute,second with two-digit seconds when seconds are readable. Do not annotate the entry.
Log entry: 11,32,48
